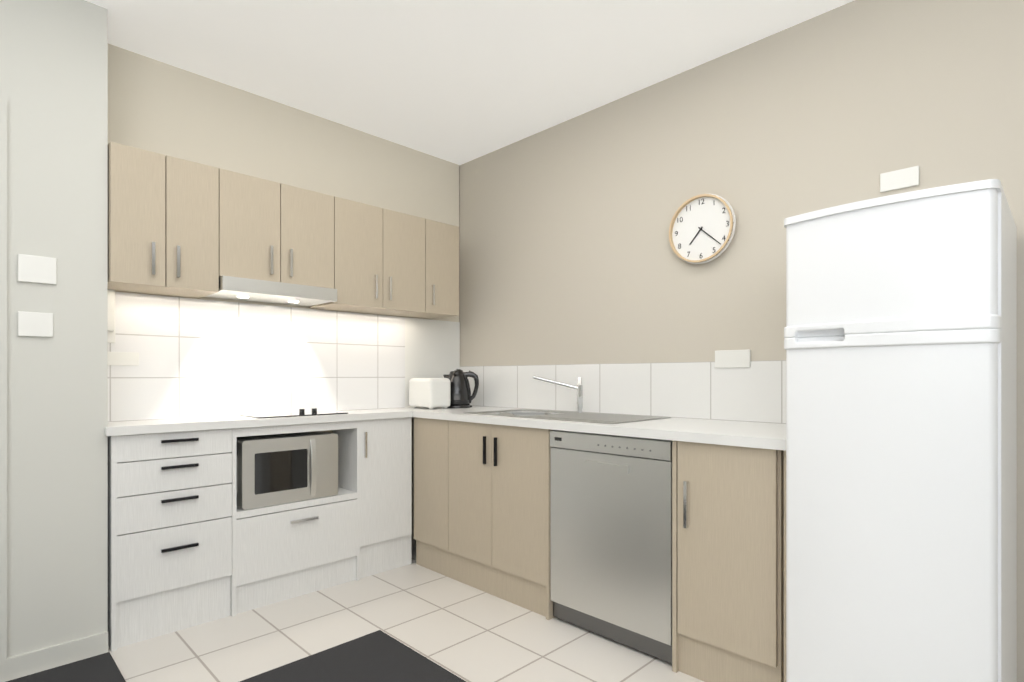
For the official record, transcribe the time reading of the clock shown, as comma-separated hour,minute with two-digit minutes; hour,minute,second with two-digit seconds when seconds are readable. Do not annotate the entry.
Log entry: 7,22
